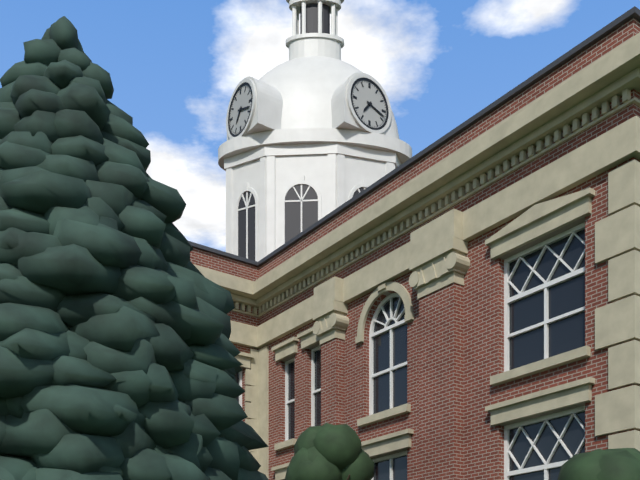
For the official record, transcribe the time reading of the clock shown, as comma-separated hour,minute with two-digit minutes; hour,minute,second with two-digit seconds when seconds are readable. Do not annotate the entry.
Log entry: 7,18
